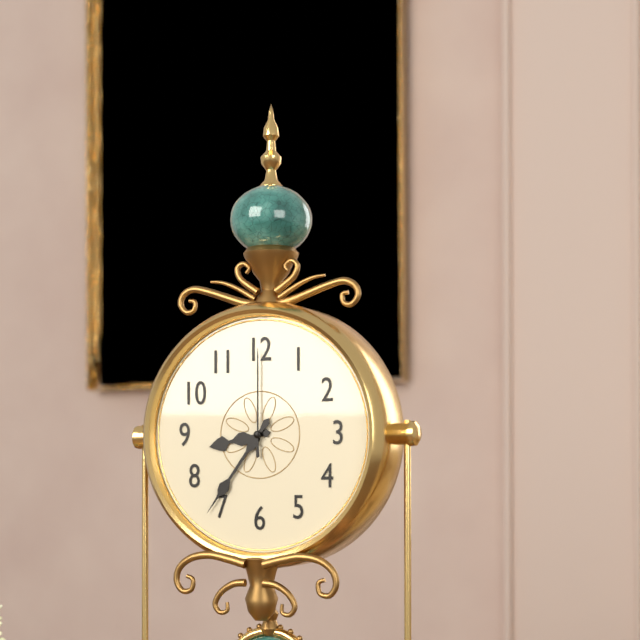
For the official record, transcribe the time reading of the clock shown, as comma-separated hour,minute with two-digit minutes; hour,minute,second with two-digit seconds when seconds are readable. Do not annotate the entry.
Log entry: 8,36,00
